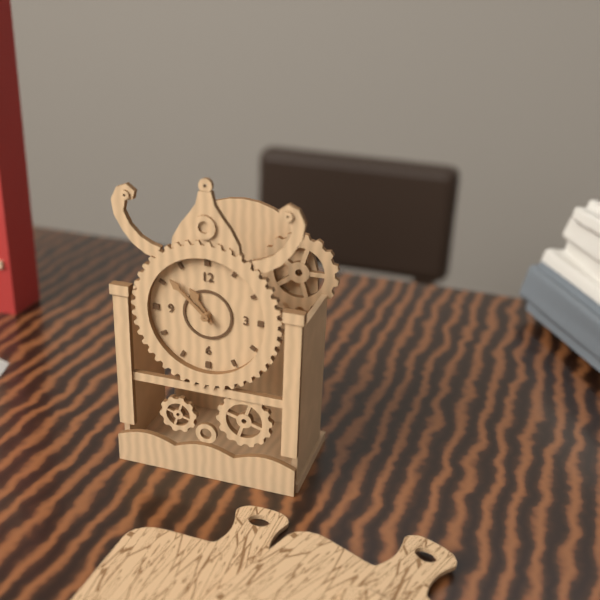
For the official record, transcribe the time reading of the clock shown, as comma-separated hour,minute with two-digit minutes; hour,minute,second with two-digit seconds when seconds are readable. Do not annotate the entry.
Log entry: 10,52
